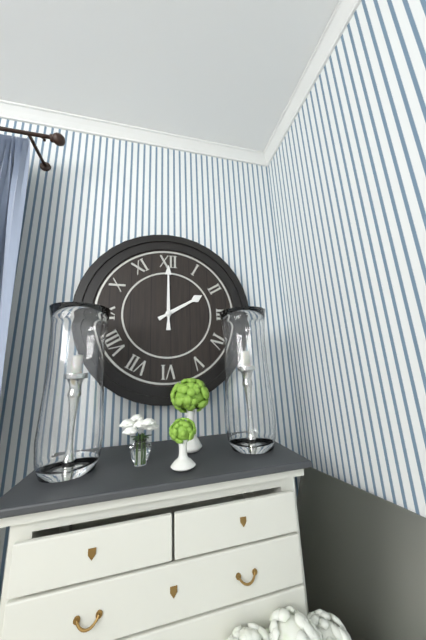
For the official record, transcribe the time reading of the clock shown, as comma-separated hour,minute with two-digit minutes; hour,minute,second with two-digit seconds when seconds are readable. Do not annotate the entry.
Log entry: 2,00
